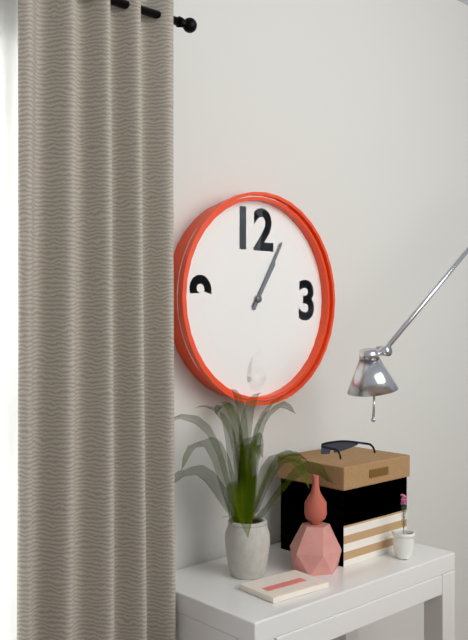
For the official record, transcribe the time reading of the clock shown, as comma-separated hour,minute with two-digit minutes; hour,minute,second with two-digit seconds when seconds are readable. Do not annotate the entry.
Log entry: 1,05
